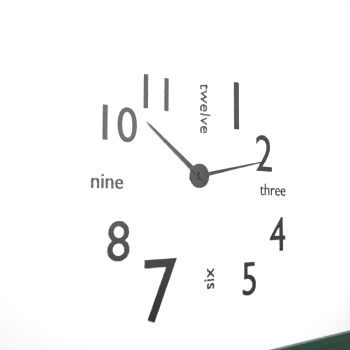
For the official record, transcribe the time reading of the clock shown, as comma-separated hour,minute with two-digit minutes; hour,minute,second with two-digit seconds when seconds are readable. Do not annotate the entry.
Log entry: 10,13
